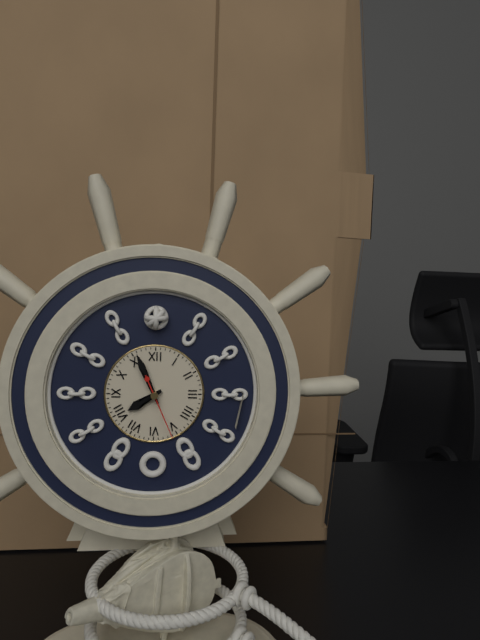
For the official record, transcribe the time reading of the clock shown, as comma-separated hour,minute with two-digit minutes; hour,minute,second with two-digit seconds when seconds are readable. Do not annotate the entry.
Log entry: 7,56,26
